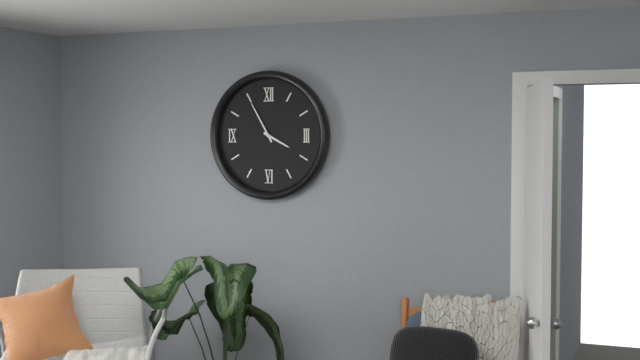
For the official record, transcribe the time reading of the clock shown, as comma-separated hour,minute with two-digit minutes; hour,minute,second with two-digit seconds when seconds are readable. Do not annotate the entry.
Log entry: 3,55
